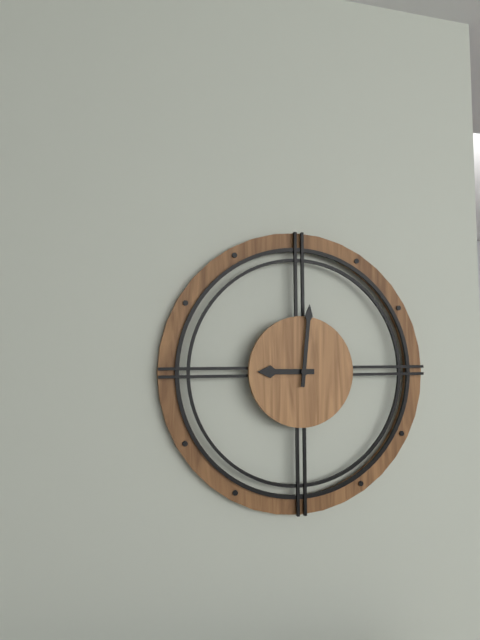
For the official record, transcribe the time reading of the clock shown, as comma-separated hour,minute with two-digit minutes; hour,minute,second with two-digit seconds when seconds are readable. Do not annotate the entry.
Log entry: 9,01
